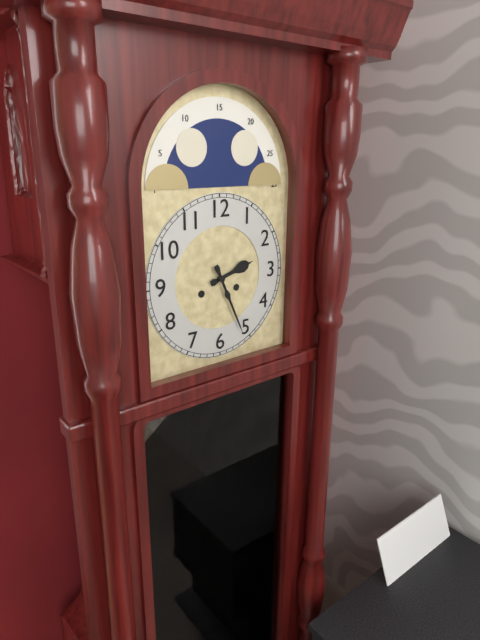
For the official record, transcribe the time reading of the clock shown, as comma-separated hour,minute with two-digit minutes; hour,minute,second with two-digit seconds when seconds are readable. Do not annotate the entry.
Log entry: 2,26
